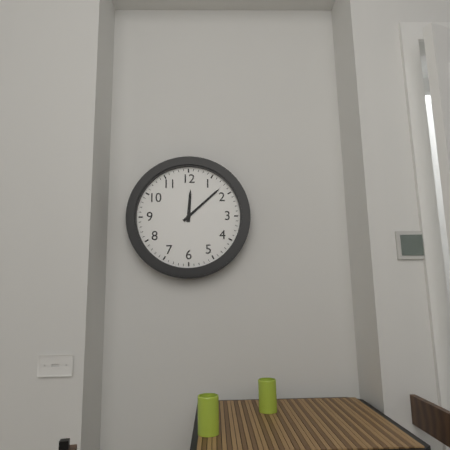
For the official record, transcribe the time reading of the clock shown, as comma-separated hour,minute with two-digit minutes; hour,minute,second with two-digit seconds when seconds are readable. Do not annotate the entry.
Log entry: 12,08
